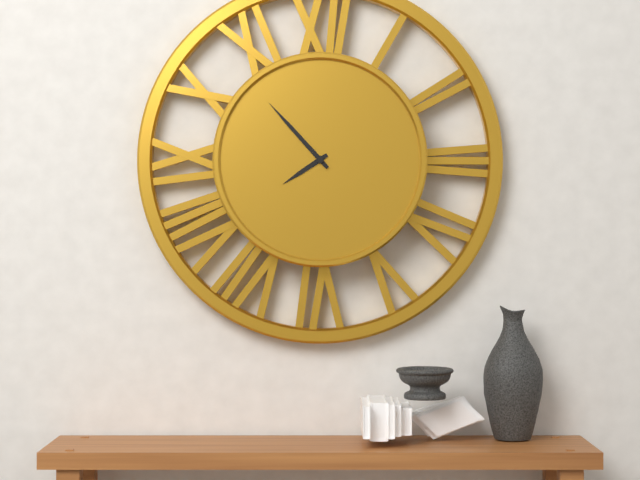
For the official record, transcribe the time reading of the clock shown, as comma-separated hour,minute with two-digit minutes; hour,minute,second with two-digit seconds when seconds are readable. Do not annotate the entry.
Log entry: 7,53
